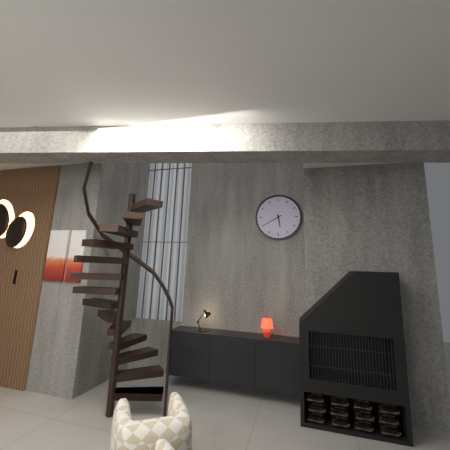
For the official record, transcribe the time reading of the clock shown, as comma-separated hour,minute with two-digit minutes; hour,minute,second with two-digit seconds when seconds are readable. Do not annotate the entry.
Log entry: 5,40
